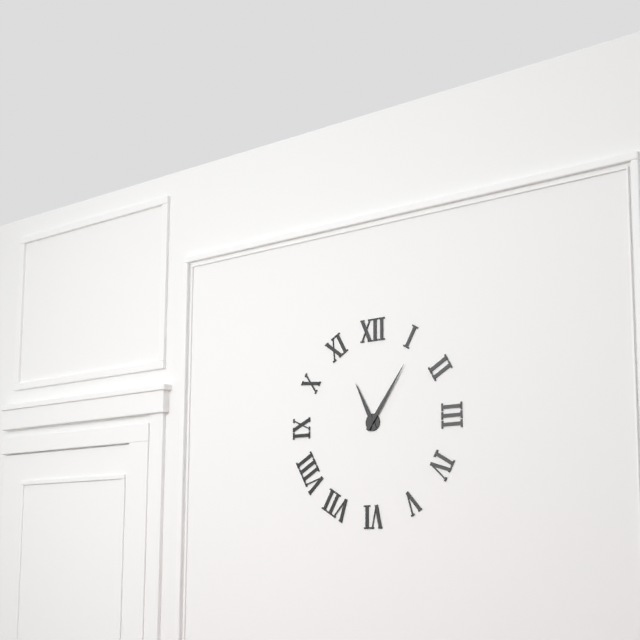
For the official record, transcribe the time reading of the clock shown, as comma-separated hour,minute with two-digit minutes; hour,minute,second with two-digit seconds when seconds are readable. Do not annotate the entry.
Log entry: 11,06
